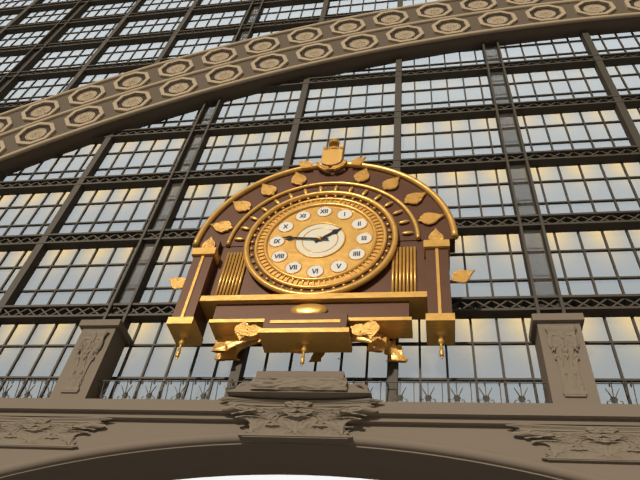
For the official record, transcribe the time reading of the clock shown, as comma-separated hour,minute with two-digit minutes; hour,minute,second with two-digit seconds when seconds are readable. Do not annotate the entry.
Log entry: 1,46
